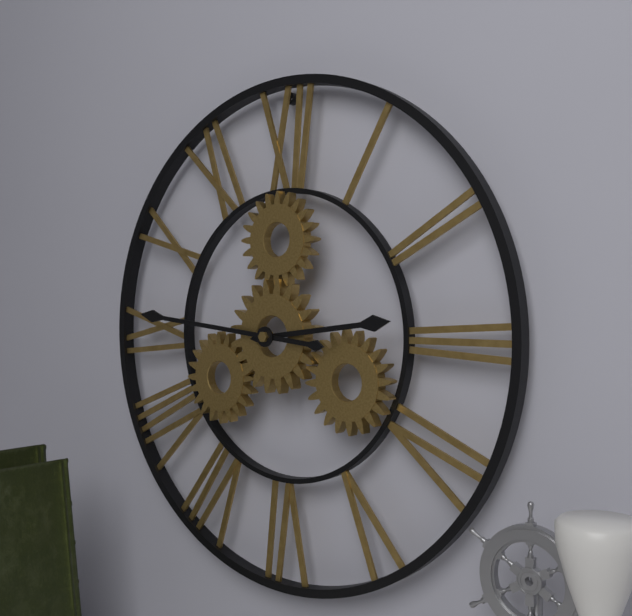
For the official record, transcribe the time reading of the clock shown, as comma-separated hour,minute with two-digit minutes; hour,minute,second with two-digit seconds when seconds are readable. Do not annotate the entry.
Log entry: 2,46
